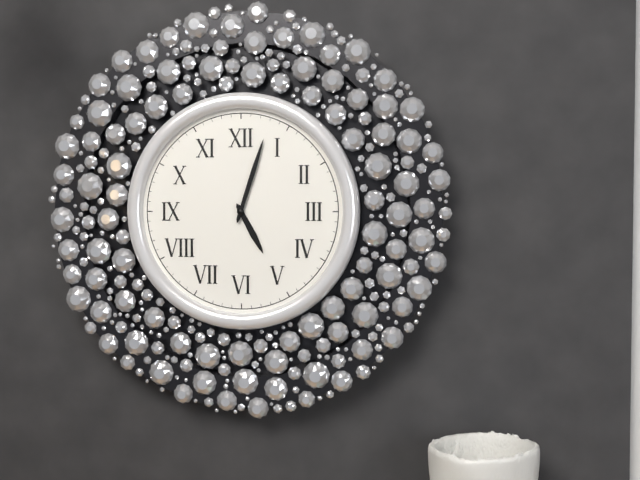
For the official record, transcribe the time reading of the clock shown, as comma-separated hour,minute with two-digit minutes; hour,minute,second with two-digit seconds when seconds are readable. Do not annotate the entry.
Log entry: 5,03
